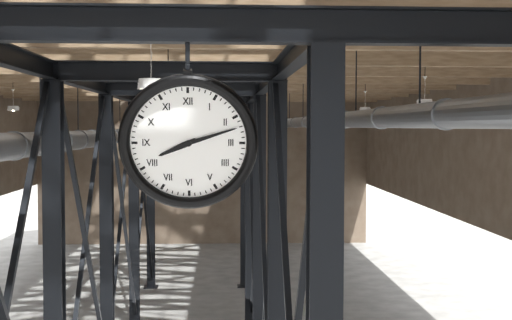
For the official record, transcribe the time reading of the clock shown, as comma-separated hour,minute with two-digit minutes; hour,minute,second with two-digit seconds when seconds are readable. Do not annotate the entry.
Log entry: 8,12
